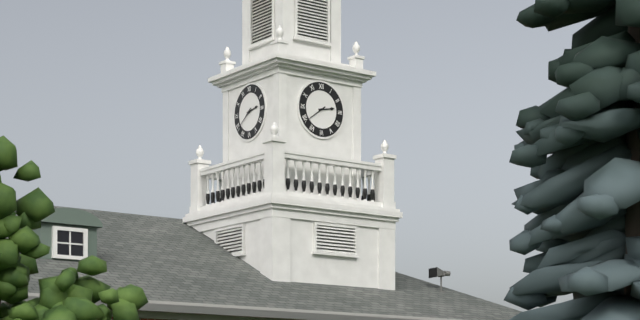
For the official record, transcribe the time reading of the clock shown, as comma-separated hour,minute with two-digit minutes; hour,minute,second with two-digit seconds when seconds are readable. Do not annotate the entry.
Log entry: 2,39
